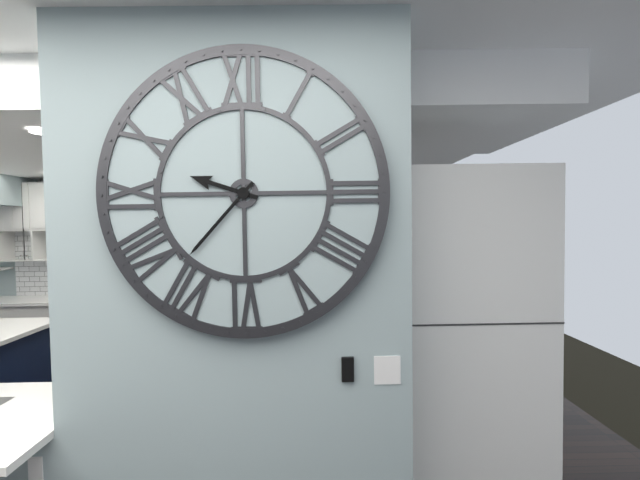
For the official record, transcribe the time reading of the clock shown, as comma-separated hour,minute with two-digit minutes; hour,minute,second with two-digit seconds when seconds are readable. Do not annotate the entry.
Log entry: 9,37
